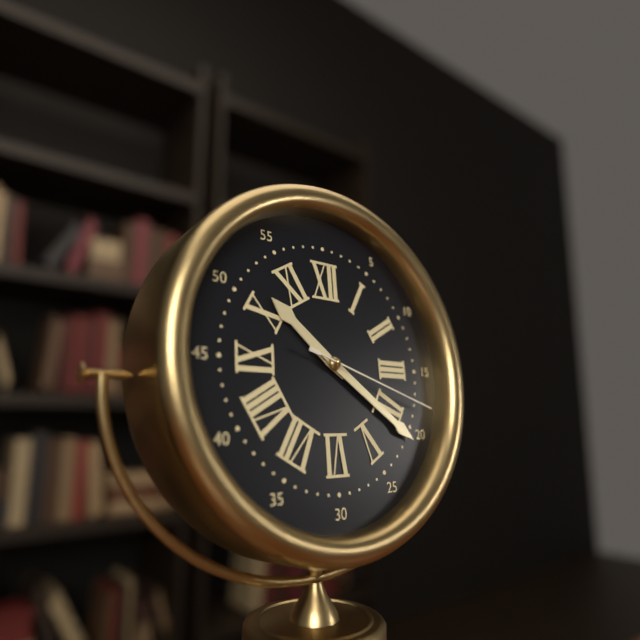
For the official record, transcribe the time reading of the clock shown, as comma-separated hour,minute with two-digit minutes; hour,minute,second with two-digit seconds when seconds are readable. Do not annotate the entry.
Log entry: 10,21,18
